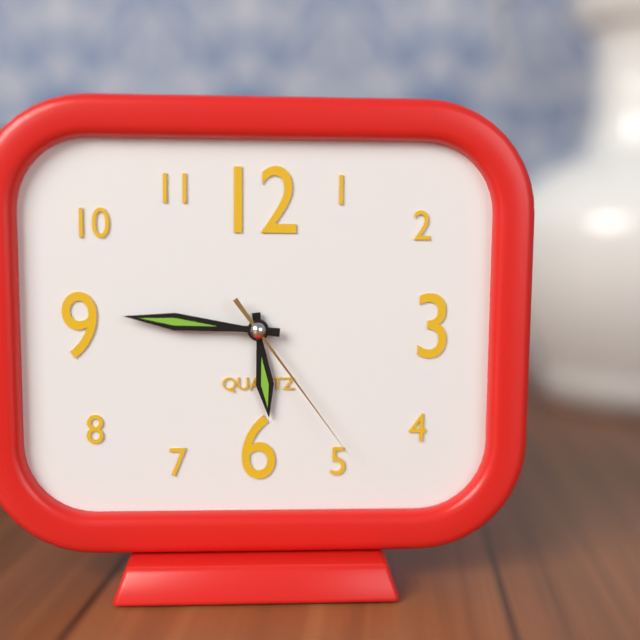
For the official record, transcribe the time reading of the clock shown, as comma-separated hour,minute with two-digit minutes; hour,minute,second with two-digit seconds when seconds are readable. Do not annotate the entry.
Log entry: 5,46,24
